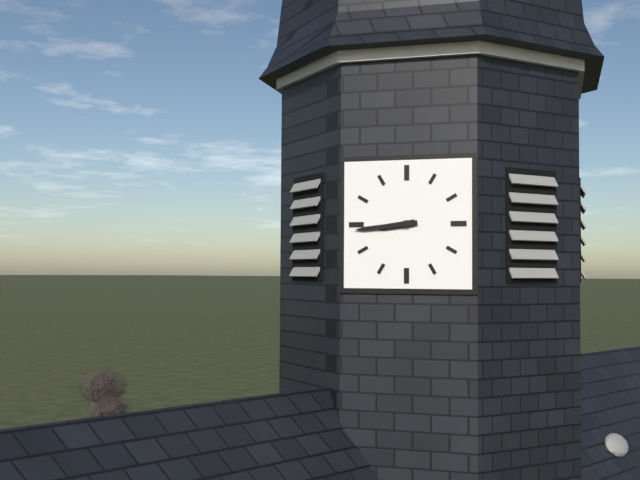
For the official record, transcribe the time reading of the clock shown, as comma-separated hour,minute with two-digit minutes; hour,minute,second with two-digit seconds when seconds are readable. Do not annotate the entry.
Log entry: 8,44
